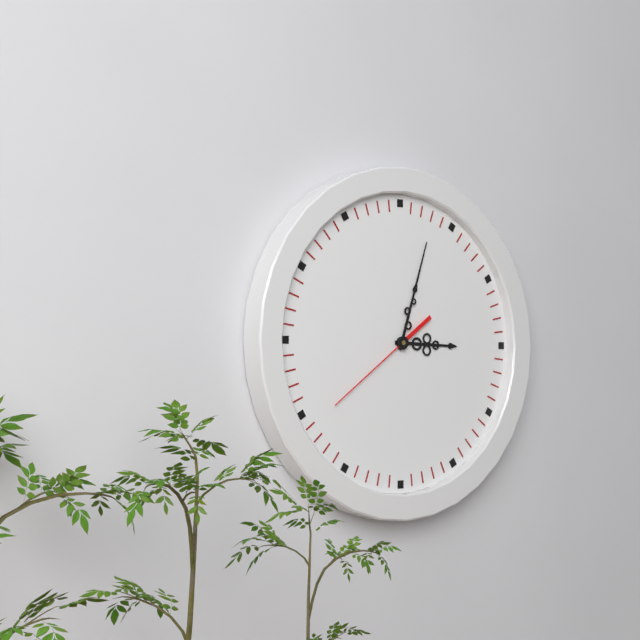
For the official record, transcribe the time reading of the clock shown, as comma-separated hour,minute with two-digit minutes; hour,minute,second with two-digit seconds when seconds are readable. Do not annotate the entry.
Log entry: 3,03,39
